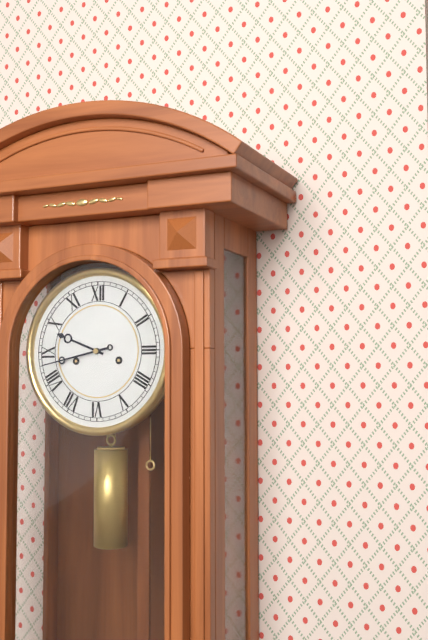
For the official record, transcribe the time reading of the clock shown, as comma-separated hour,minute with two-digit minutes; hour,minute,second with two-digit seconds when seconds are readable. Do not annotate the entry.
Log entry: 9,43
